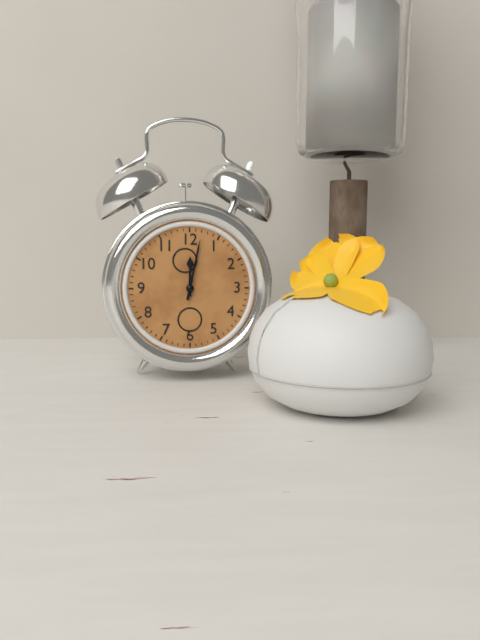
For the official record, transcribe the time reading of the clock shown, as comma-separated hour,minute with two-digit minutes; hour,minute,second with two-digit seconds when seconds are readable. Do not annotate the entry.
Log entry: 12,02
